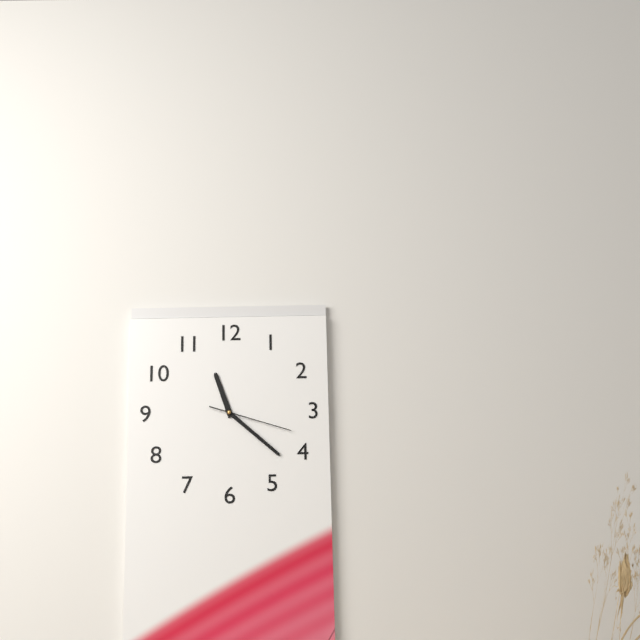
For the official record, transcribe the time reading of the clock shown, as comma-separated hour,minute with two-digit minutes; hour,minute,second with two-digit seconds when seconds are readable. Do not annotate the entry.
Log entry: 11,22,18
